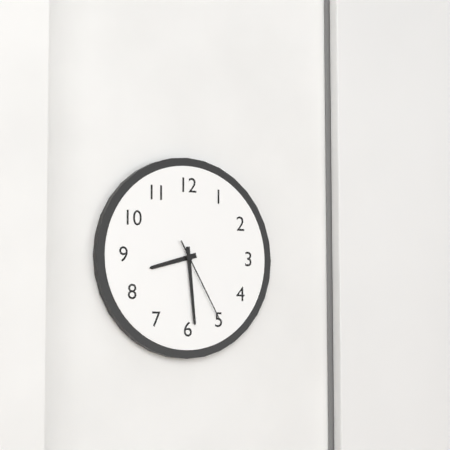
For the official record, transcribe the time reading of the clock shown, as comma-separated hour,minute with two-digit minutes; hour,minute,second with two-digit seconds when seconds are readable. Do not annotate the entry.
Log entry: 8,29,25
